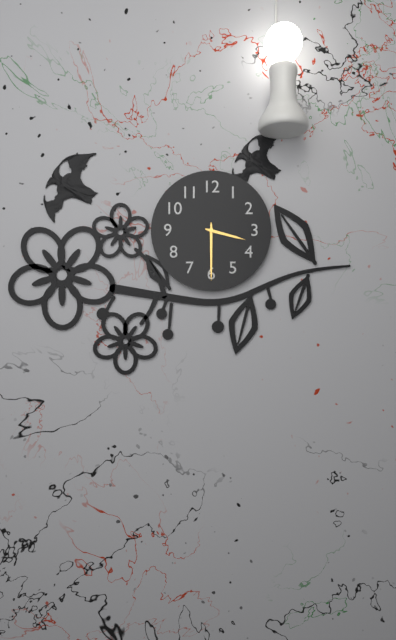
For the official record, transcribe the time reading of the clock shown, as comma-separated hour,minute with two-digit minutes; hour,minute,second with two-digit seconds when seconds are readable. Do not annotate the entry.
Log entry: 3,30
